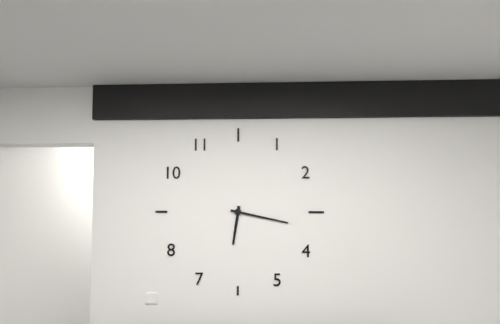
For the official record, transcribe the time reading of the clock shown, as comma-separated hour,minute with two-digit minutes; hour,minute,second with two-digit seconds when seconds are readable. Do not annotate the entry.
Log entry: 6,17
